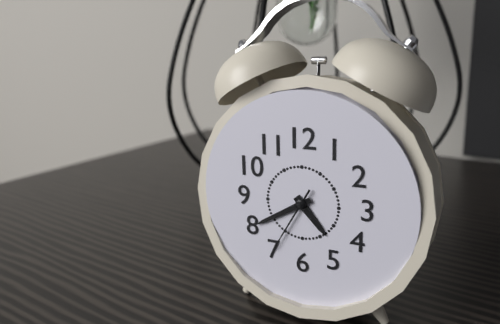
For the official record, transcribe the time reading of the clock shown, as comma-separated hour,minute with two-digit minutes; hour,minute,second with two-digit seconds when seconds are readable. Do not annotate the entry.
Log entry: 4,40,35
